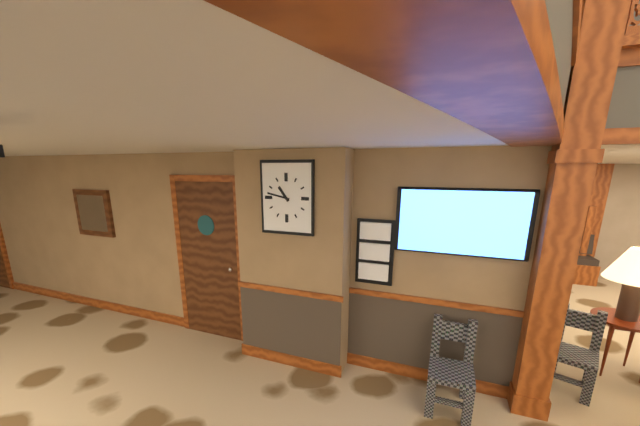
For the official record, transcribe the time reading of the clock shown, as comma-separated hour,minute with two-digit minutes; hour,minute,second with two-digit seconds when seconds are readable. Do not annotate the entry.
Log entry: 10,47
